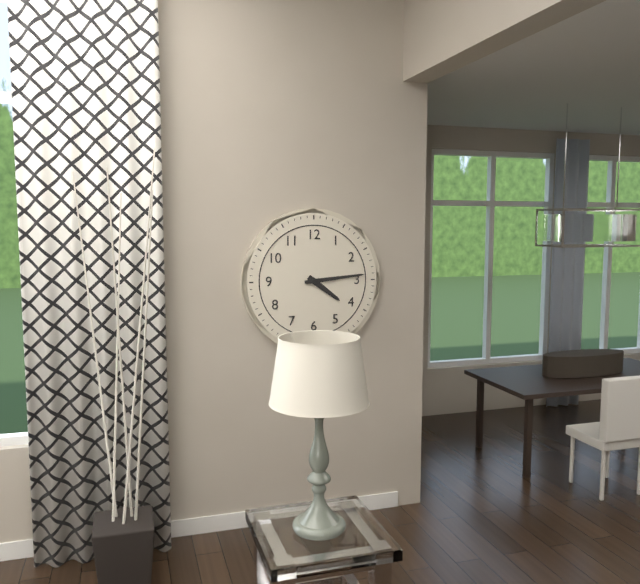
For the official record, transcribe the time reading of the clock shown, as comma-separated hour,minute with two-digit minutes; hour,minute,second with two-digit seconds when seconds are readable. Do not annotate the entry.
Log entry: 4,14
